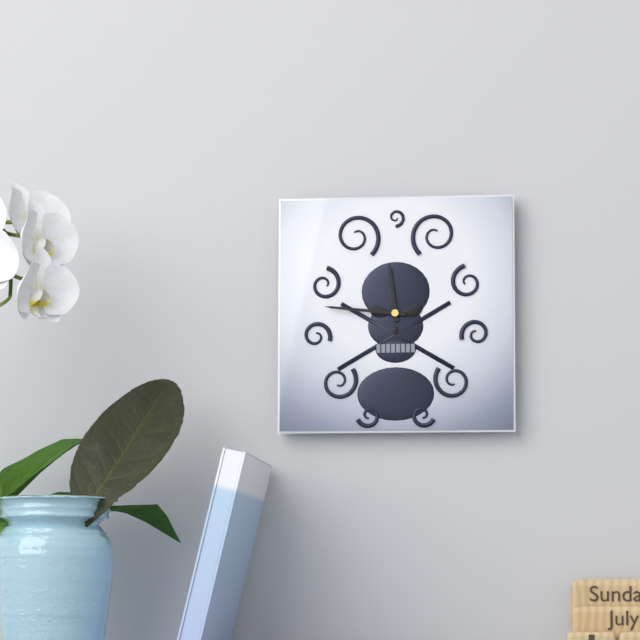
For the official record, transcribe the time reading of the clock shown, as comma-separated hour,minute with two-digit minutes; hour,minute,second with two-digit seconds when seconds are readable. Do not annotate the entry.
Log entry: 11,46
